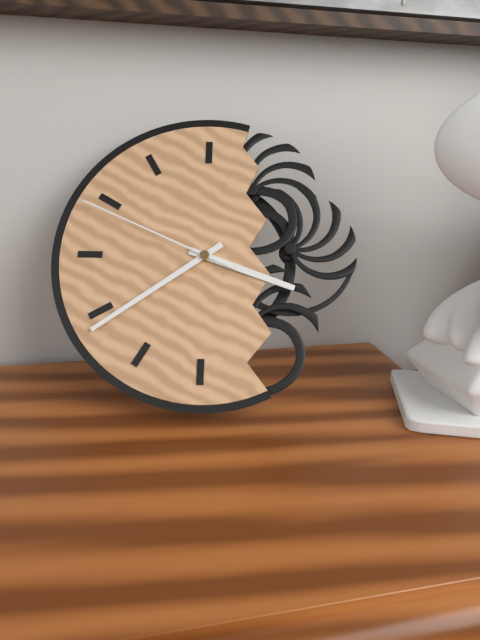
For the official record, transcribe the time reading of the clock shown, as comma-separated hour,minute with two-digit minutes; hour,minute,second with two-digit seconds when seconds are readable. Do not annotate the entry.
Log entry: 3,39,49
